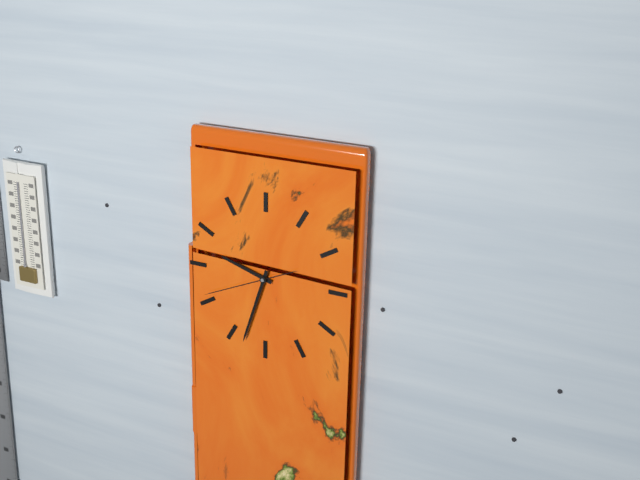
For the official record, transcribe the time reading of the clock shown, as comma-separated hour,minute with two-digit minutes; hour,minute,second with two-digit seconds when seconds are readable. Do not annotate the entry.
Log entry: 9,33,41
